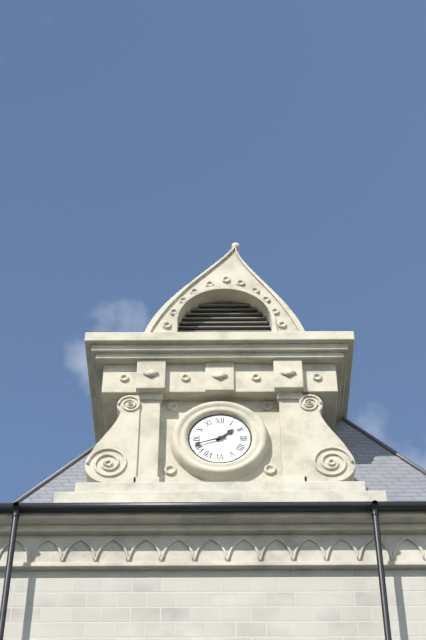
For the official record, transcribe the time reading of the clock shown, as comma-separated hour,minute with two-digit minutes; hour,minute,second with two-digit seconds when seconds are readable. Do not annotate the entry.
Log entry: 1,42
